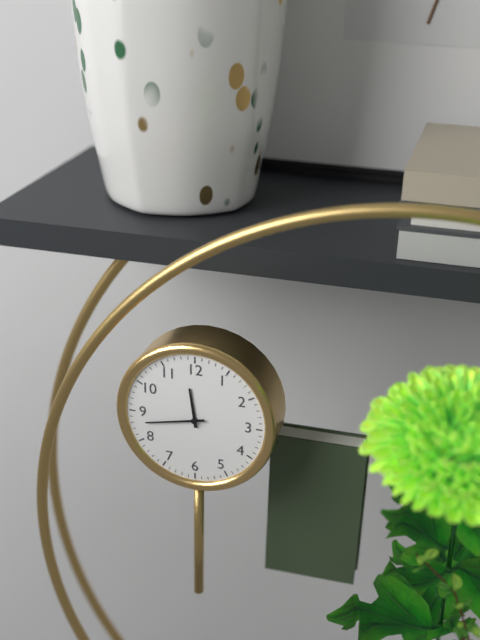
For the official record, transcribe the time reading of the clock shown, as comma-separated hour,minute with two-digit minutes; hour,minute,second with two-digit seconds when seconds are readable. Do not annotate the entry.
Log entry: 11,43
